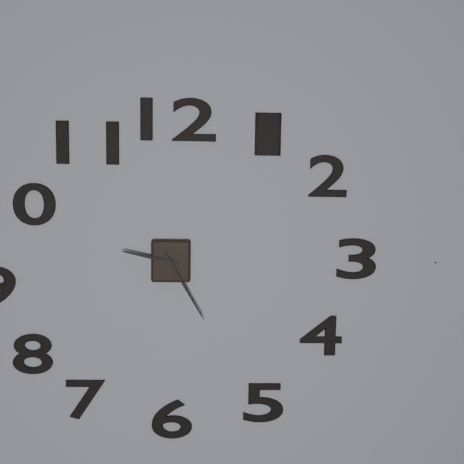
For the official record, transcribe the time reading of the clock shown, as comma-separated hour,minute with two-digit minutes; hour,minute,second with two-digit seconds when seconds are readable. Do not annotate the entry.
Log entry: 9,25
